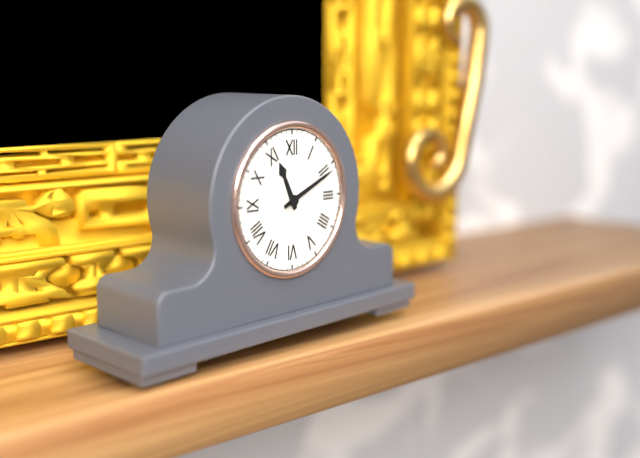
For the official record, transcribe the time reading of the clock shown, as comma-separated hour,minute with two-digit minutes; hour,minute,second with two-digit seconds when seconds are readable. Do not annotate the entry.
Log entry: 11,11
